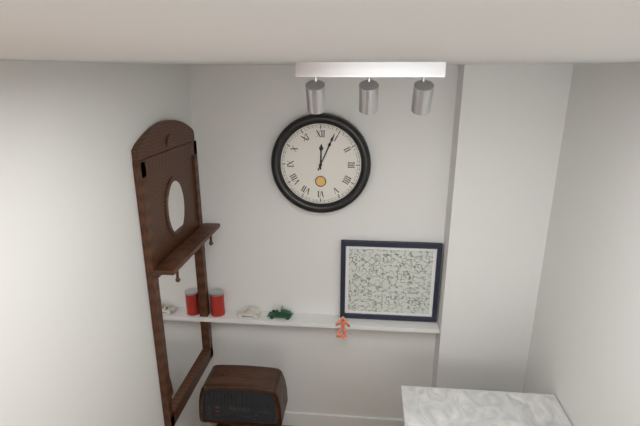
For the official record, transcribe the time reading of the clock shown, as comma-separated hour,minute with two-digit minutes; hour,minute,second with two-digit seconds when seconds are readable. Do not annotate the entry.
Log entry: 12,04
